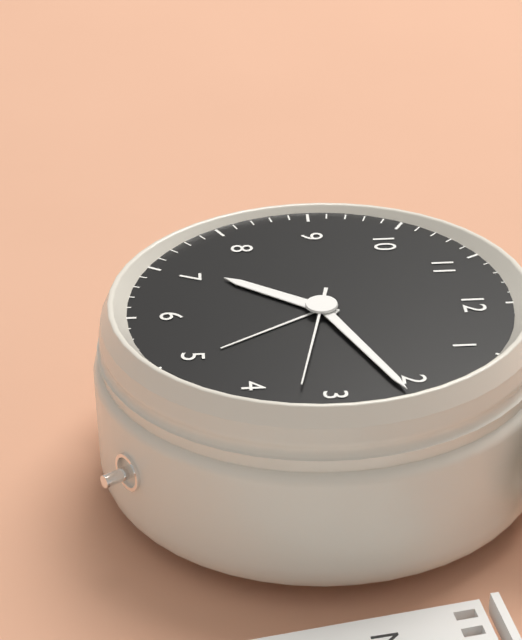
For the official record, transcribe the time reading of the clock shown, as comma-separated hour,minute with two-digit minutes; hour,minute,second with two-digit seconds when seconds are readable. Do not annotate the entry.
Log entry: 7,11,17
